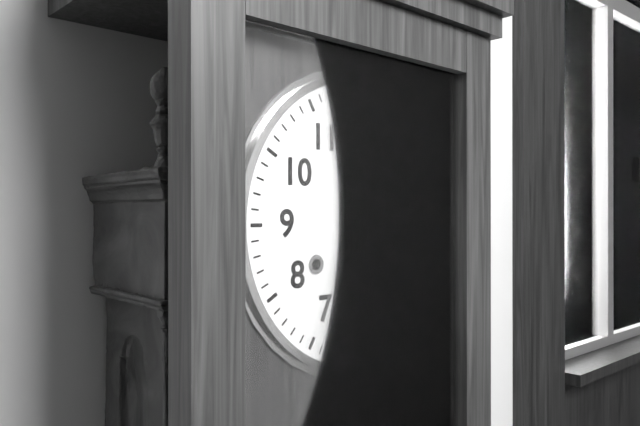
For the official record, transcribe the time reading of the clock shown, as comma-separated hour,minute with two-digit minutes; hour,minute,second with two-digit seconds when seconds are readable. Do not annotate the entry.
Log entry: 1,19
